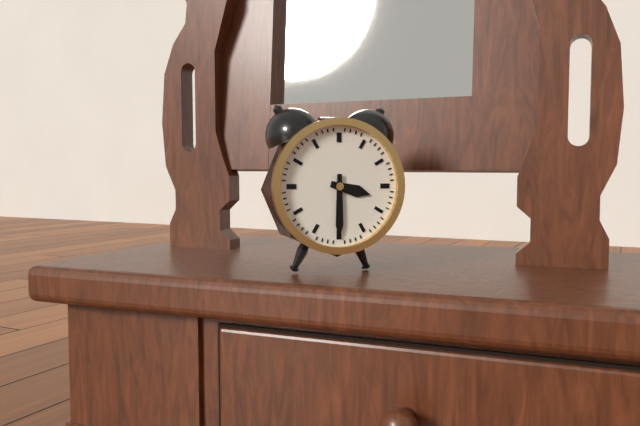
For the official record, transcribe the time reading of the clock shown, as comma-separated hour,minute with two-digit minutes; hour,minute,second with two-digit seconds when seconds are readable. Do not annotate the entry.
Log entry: 3,30
